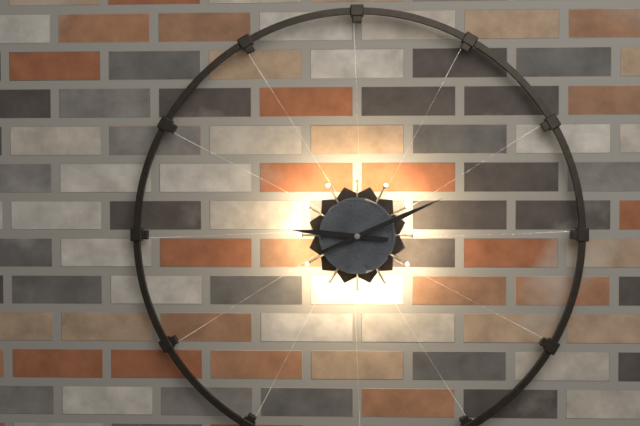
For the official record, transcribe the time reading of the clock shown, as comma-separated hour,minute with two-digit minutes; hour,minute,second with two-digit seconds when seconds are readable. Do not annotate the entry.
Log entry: 9,11
